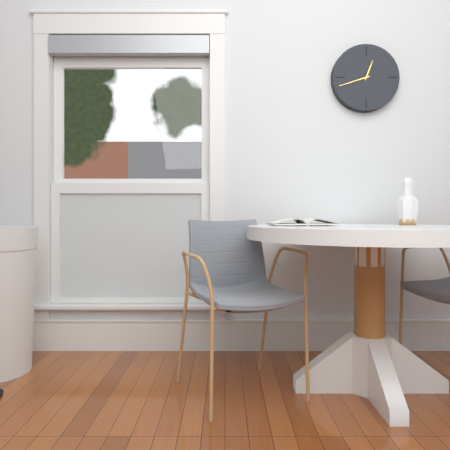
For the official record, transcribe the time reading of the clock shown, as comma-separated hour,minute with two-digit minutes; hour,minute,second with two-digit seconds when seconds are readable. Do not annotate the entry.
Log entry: 12,42
